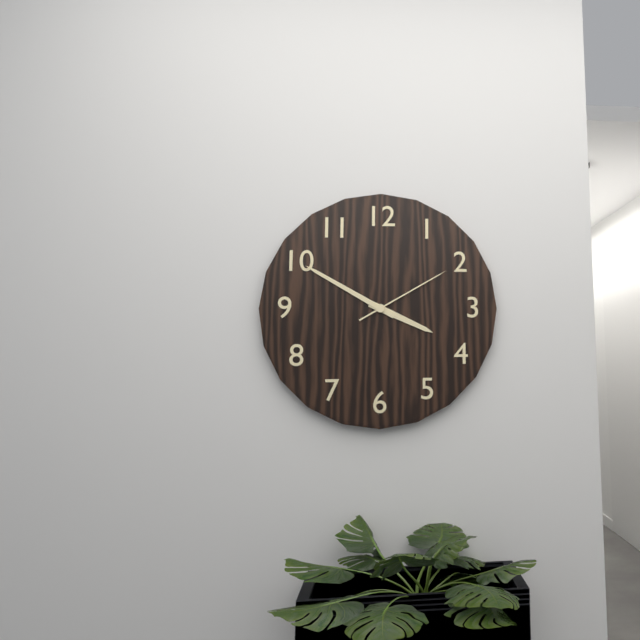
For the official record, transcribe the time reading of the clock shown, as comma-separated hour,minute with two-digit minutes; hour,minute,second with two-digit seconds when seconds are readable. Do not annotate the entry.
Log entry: 3,50,10
